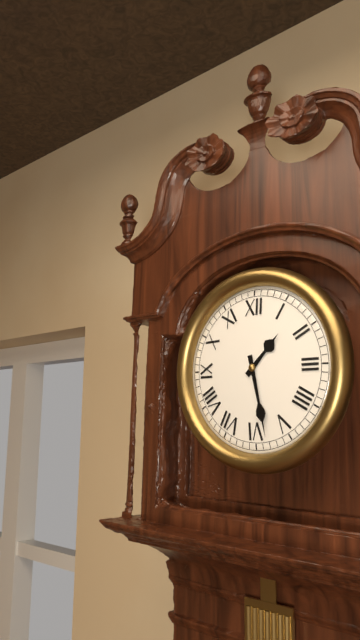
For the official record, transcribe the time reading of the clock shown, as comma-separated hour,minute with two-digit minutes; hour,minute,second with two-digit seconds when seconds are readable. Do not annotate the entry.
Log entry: 1,28
